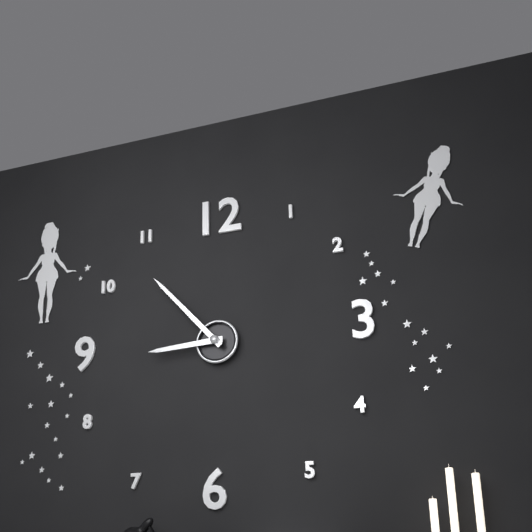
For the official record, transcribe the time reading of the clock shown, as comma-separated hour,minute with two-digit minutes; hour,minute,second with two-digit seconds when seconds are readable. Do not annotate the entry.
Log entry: 8,53
